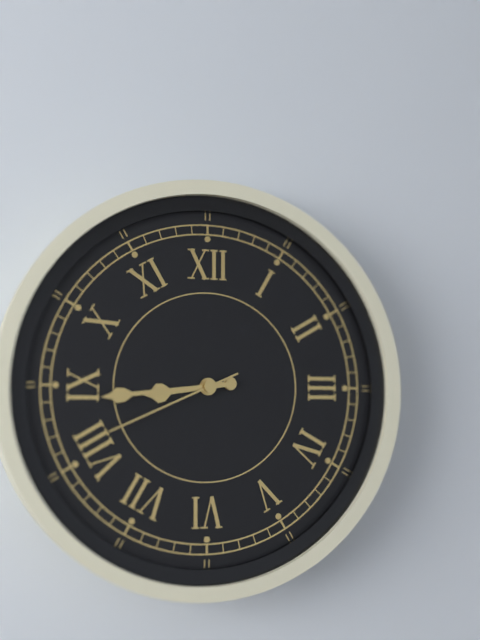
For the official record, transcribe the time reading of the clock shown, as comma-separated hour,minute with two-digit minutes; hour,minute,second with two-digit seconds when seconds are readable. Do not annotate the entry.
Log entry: 8,44,41
